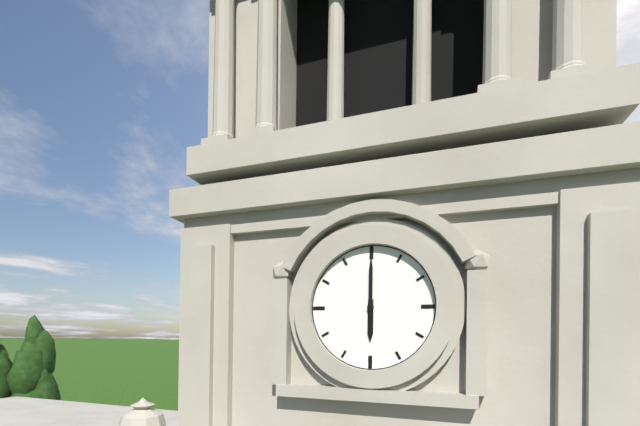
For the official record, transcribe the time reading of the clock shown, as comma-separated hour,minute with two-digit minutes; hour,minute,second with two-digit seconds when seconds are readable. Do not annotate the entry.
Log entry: 6,00
